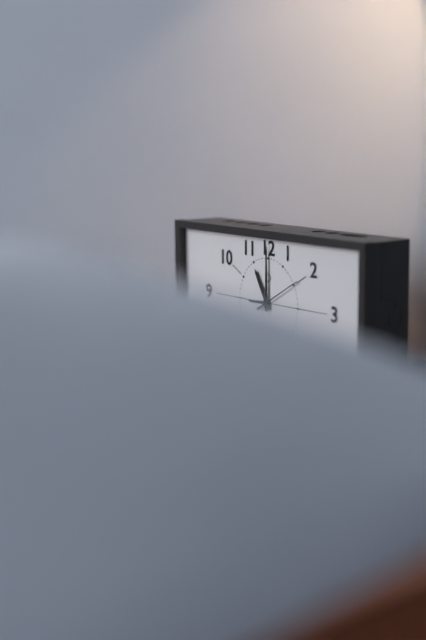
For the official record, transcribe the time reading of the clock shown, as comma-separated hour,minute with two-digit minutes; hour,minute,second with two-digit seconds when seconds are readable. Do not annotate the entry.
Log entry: 11,00
